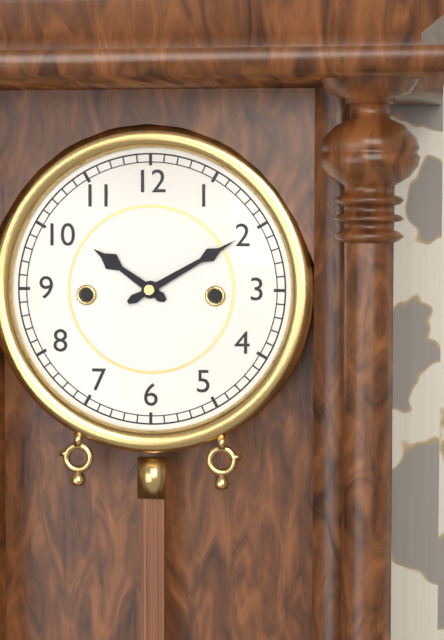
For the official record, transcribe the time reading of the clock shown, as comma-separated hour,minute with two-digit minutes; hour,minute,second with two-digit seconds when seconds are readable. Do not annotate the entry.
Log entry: 10,10
